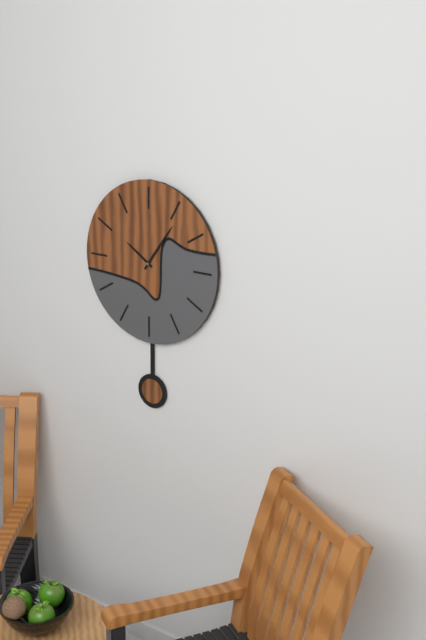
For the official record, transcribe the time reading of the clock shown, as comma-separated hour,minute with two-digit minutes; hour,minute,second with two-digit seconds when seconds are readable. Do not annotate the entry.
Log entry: 10,06
